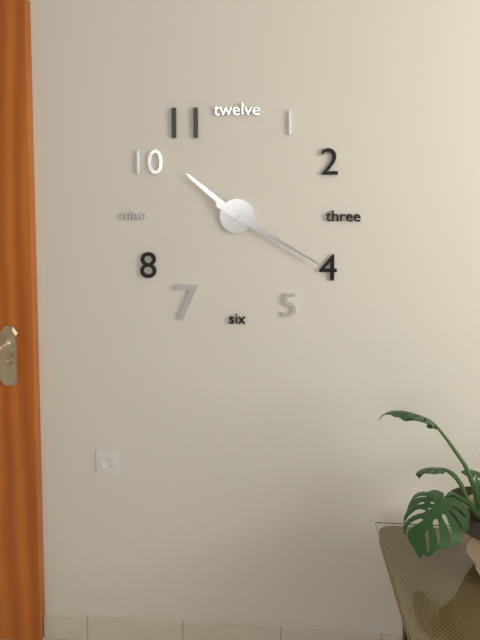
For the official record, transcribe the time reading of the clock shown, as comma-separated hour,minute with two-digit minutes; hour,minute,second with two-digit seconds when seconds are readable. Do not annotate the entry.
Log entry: 10,20
